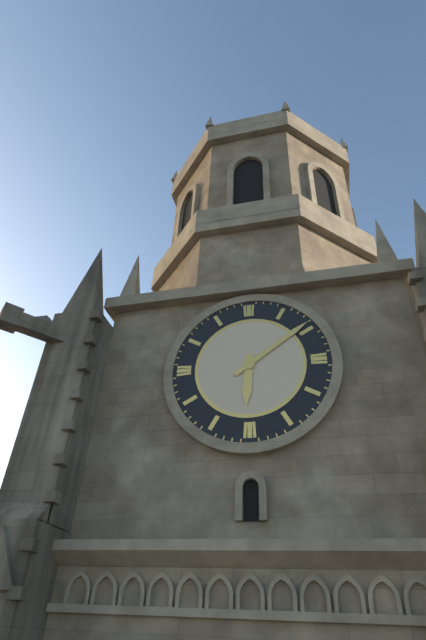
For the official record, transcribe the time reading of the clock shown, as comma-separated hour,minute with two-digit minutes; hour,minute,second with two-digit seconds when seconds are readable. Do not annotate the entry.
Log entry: 6,09
